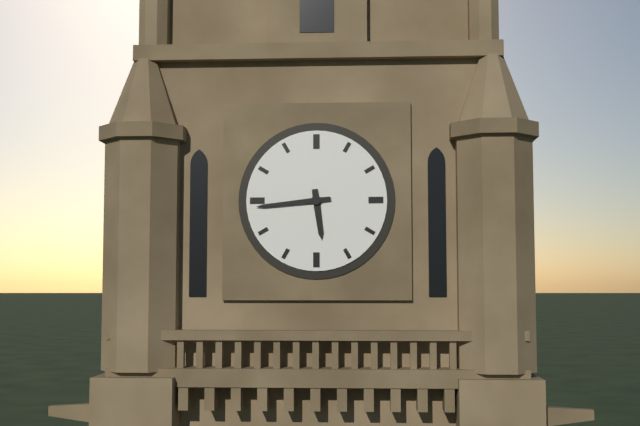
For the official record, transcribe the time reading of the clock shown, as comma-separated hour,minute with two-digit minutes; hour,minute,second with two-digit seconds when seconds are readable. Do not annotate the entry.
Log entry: 5,44
